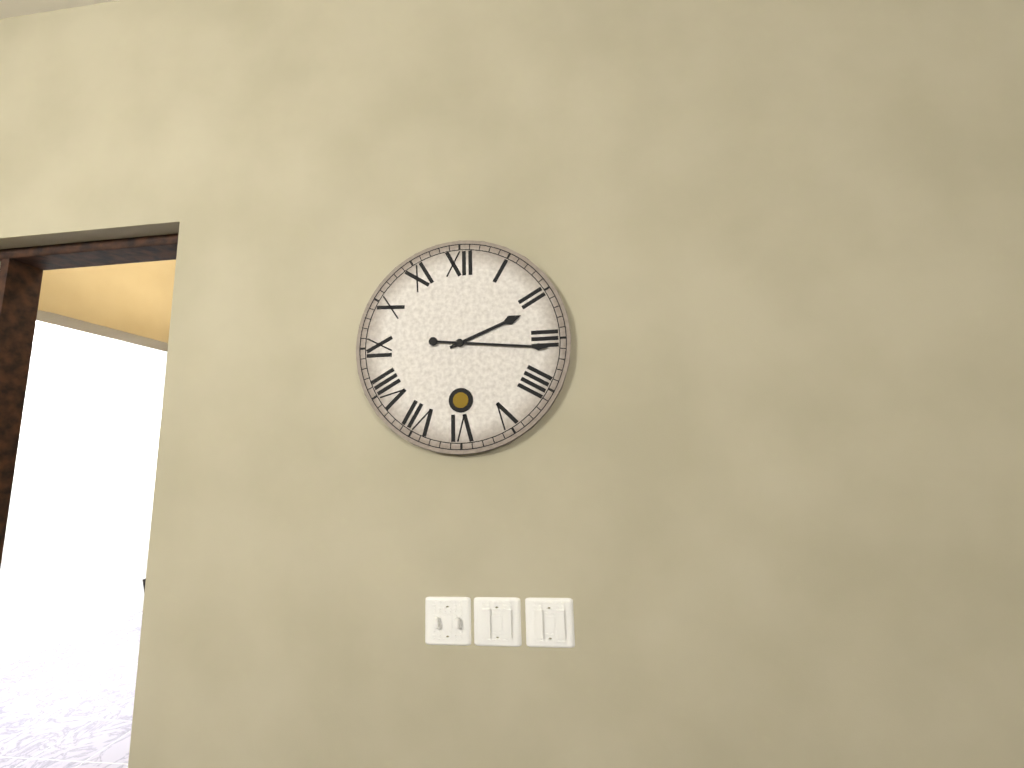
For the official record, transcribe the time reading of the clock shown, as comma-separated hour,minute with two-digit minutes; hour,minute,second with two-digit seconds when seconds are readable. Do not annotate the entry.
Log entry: 2,16
